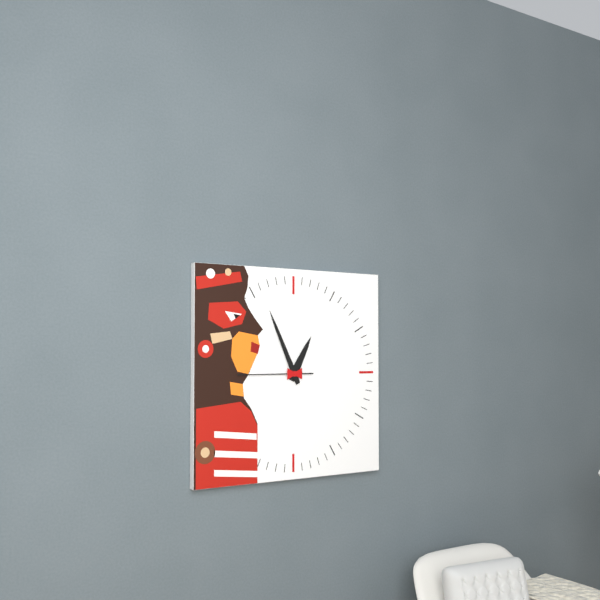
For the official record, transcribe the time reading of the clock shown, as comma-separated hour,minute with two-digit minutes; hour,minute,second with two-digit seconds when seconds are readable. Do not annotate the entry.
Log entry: 12,56,45
